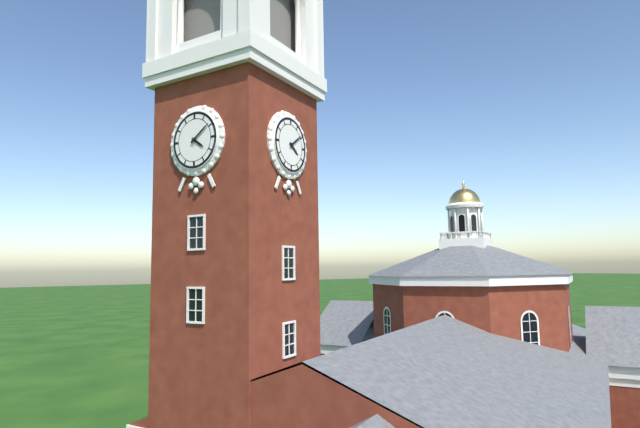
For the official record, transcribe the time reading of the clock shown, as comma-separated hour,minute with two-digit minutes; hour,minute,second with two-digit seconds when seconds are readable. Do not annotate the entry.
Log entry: 4,09
